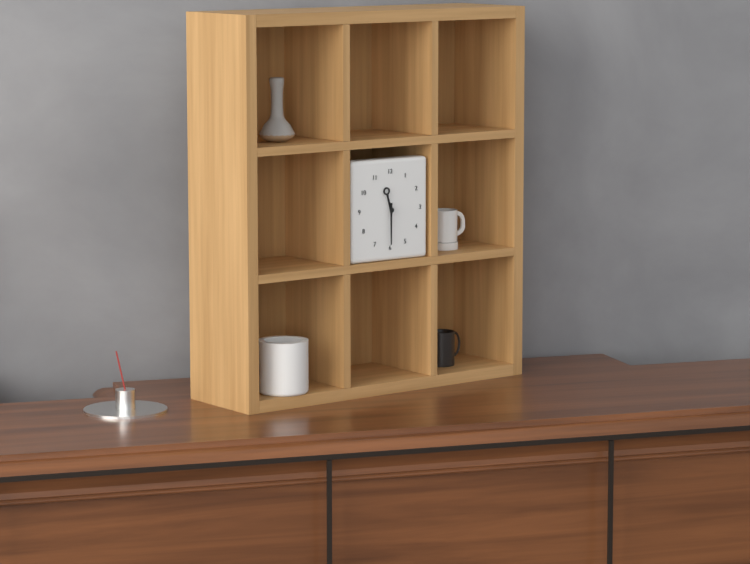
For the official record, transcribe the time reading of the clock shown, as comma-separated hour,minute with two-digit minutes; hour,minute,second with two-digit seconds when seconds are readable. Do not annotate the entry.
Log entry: 11,30
